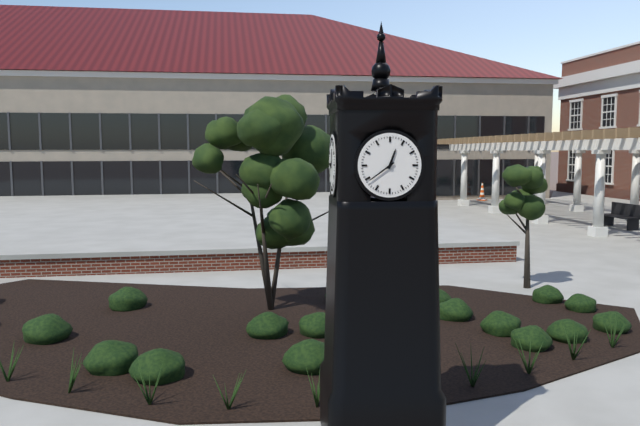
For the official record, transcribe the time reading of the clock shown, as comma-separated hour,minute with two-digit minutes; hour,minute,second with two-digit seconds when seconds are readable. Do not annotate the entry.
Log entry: 12,39
